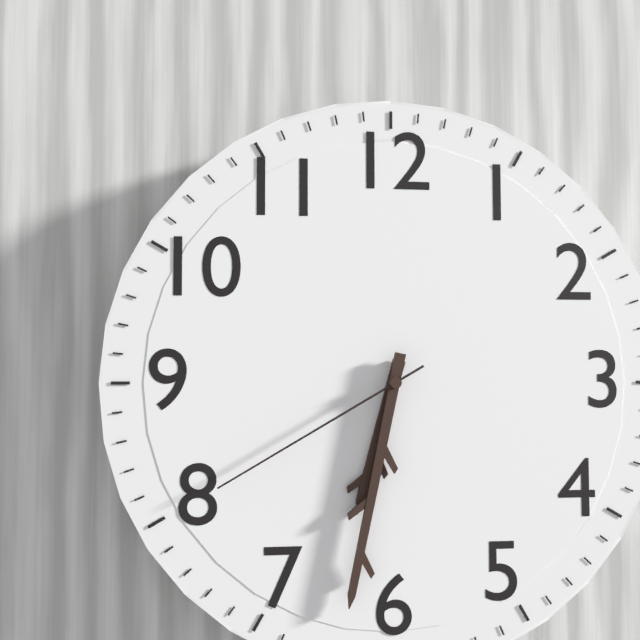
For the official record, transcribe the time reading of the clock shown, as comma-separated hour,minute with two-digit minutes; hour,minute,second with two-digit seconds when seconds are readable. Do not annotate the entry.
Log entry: 6,32,40
